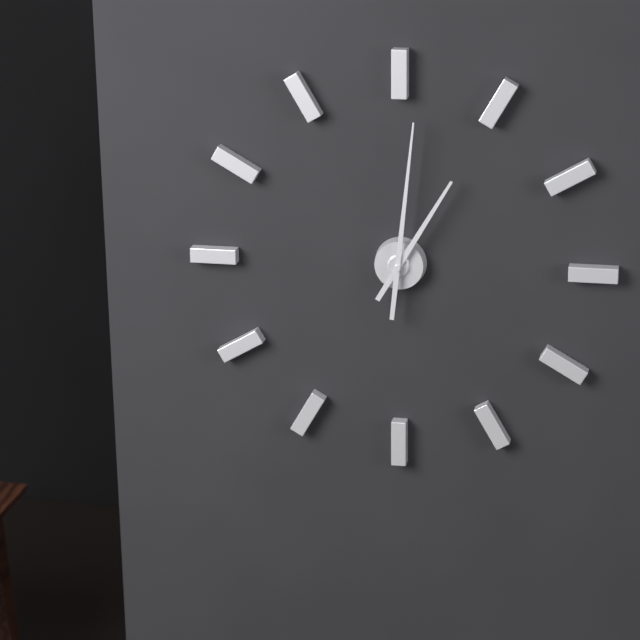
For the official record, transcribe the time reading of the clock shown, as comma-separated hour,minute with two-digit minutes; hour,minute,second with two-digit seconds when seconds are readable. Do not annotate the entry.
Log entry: 1,01
